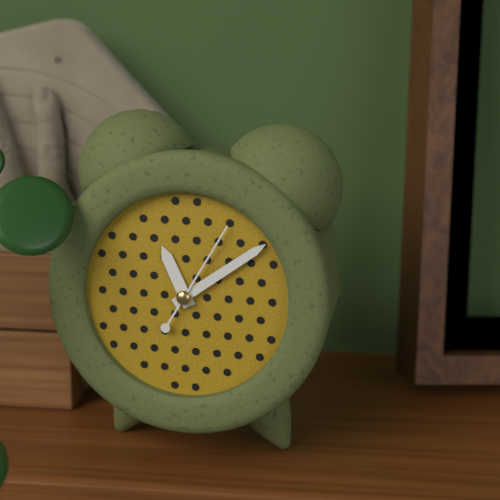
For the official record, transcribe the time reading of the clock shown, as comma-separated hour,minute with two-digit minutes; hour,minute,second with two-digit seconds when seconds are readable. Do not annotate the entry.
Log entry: 11,09,05
